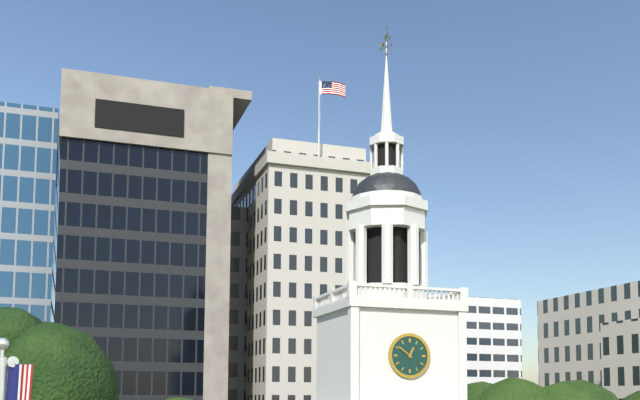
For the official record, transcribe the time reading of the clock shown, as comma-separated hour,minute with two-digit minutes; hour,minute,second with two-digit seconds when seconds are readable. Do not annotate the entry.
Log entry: 12,51
